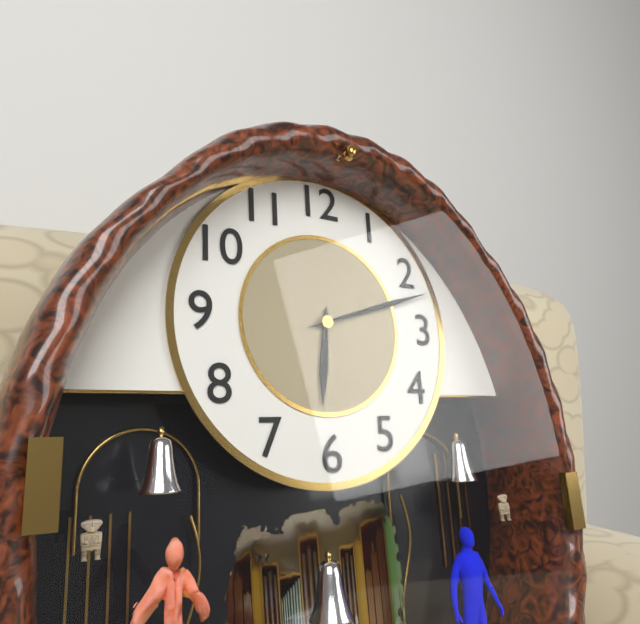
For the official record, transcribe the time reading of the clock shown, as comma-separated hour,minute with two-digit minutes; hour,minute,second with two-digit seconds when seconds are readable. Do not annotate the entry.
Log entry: 6,12
